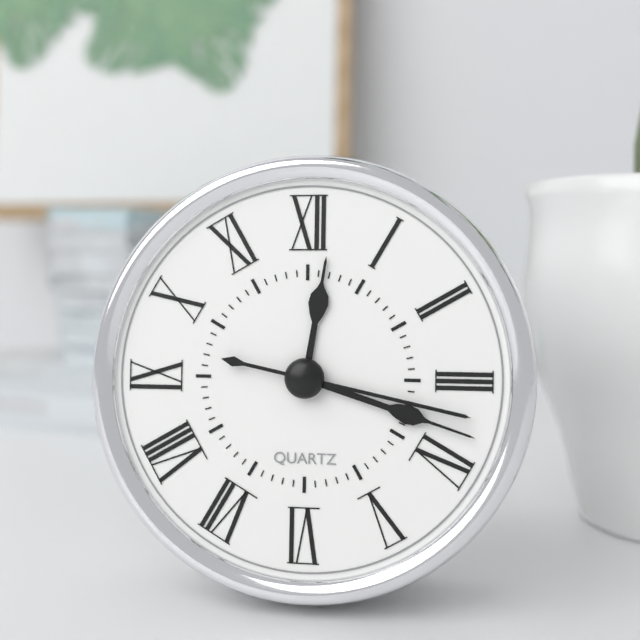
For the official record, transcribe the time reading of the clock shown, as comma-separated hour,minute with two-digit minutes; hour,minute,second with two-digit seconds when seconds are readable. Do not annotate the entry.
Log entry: 12,18,17
